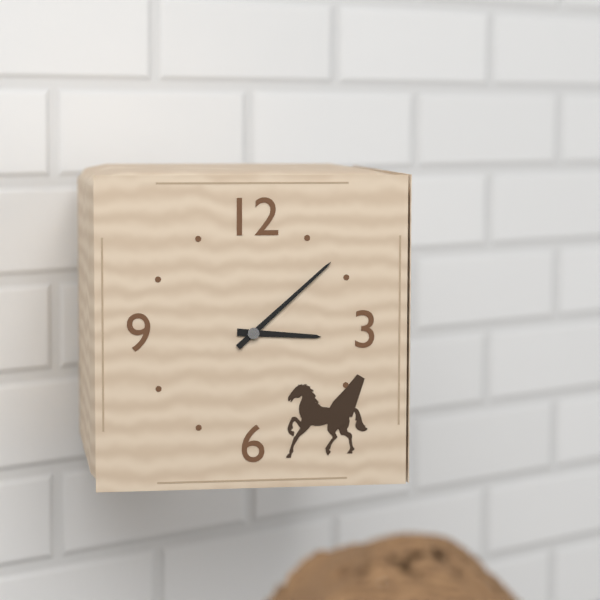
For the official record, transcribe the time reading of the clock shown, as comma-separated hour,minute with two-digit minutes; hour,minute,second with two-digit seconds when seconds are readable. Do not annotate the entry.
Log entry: 3,08
